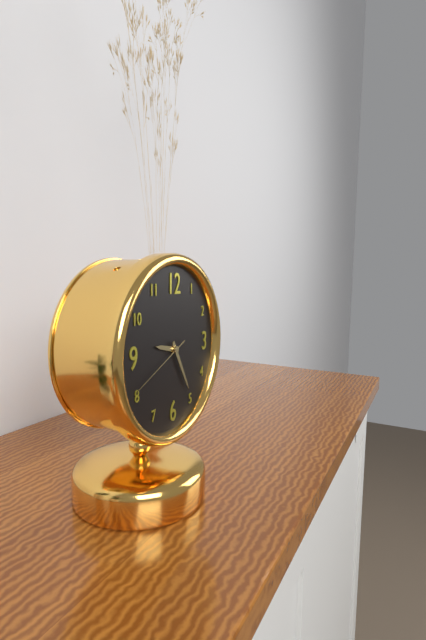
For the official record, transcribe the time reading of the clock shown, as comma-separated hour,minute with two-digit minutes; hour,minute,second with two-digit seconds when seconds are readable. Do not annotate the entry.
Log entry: 9,25,41
